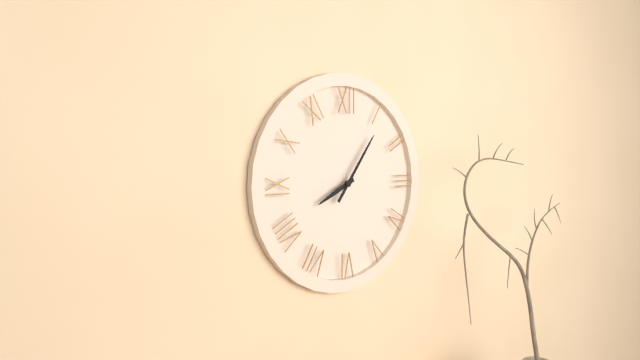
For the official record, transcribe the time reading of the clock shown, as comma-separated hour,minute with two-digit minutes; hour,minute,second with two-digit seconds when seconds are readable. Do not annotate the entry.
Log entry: 8,06
